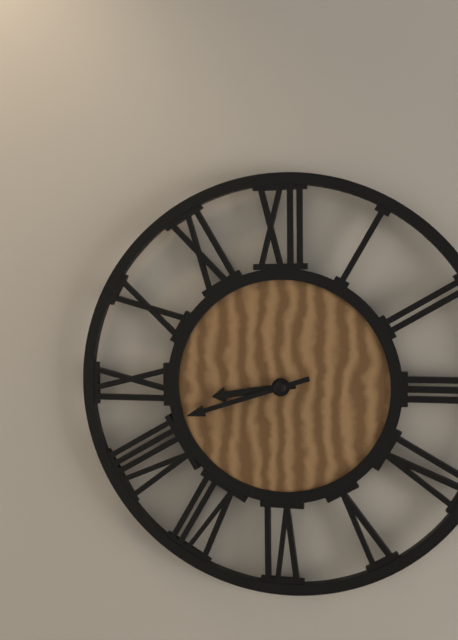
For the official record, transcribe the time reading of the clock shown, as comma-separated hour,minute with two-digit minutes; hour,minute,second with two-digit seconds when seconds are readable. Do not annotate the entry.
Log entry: 8,42
